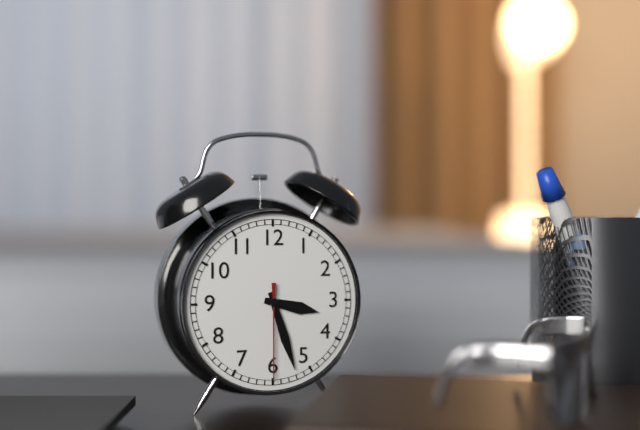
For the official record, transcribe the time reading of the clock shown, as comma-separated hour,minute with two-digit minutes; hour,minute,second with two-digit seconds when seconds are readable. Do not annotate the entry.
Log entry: 3,27,30
